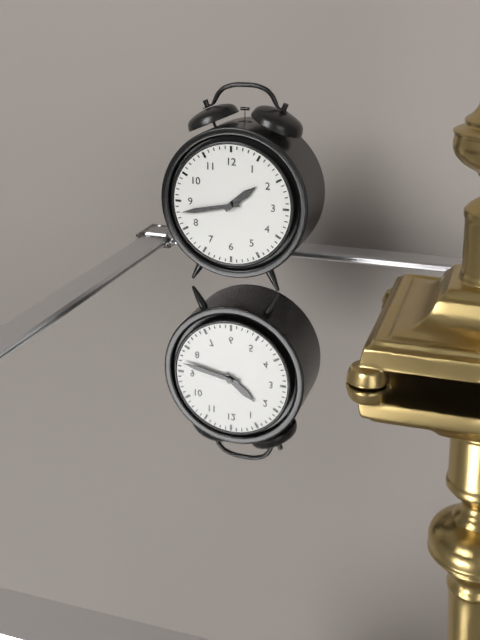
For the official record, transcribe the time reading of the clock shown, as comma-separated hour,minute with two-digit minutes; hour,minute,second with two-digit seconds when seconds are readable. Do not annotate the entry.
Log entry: 1,43
